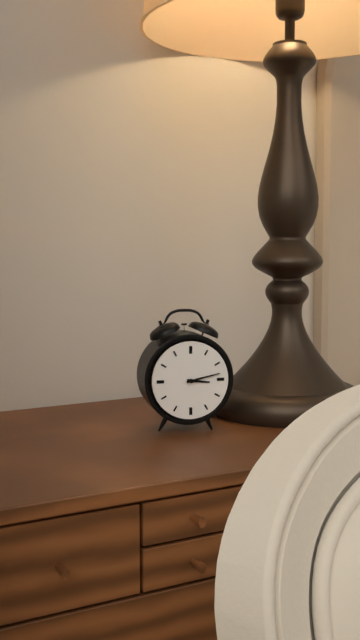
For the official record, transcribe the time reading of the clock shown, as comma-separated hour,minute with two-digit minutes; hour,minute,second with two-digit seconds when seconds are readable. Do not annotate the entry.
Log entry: 3,13
